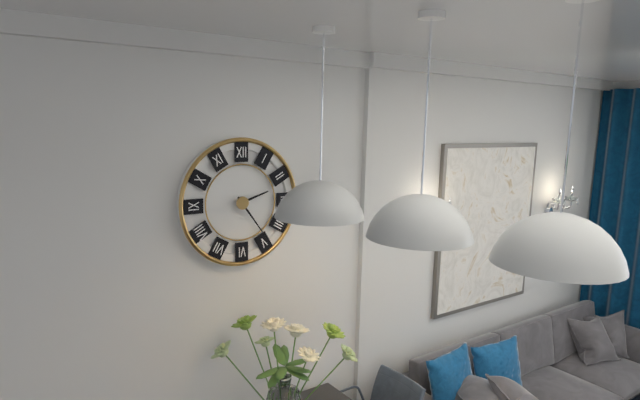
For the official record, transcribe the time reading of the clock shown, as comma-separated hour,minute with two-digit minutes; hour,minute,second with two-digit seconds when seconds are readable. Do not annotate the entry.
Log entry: 2,24
